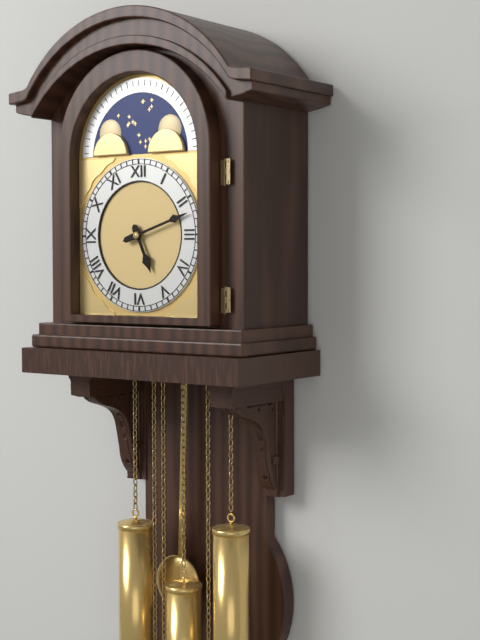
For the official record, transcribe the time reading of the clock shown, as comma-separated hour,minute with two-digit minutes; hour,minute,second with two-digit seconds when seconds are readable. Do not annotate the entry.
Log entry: 5,12
